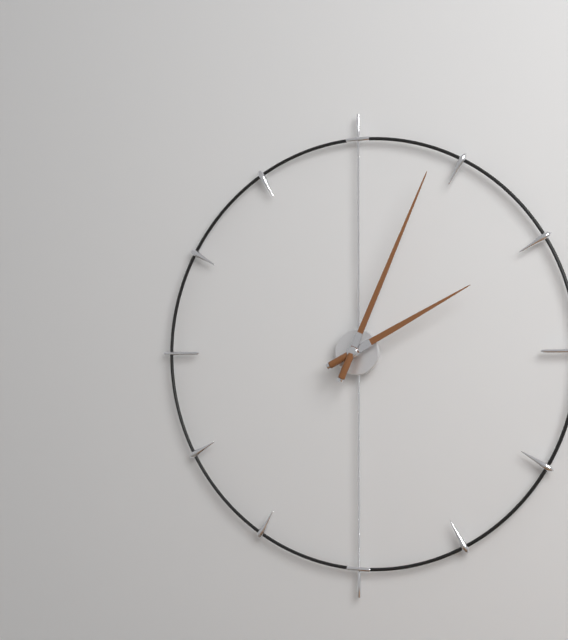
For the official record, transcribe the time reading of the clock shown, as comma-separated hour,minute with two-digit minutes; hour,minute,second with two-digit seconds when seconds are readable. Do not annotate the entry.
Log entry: 2,04
